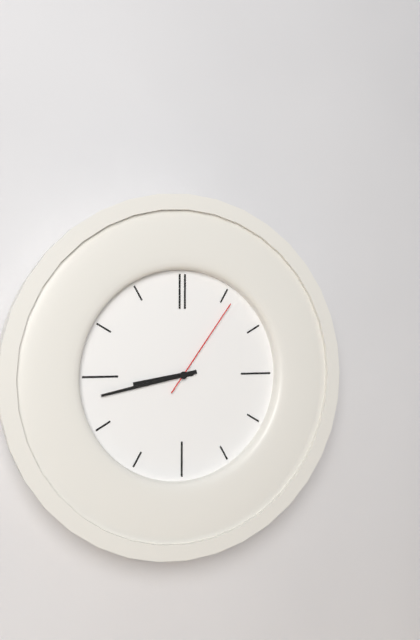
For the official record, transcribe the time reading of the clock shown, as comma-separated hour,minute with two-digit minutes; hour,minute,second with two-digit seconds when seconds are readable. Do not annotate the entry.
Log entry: 8,43,06
